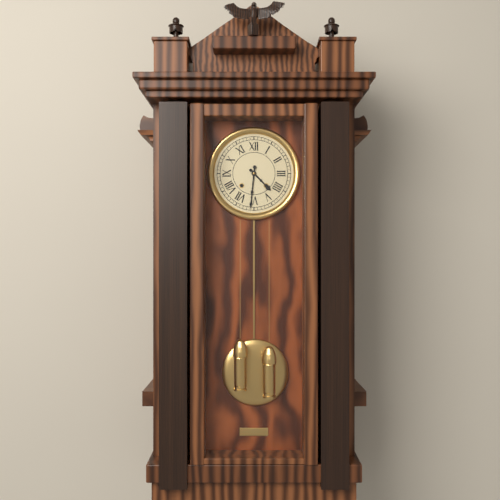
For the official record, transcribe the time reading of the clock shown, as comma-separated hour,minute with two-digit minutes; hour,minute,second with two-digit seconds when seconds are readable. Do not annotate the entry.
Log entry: 4,31
